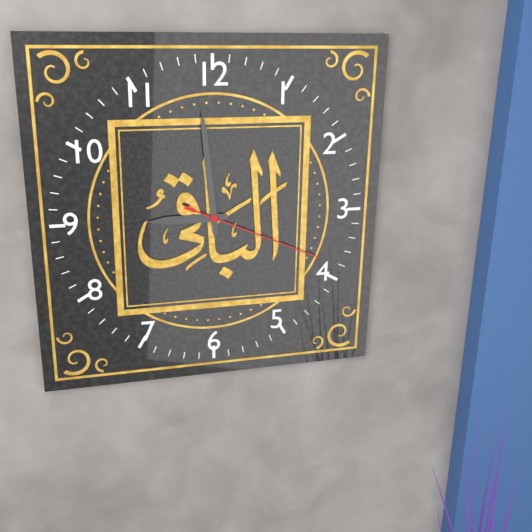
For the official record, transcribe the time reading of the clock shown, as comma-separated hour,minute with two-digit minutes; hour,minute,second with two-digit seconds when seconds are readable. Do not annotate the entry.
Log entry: 8,59,19
